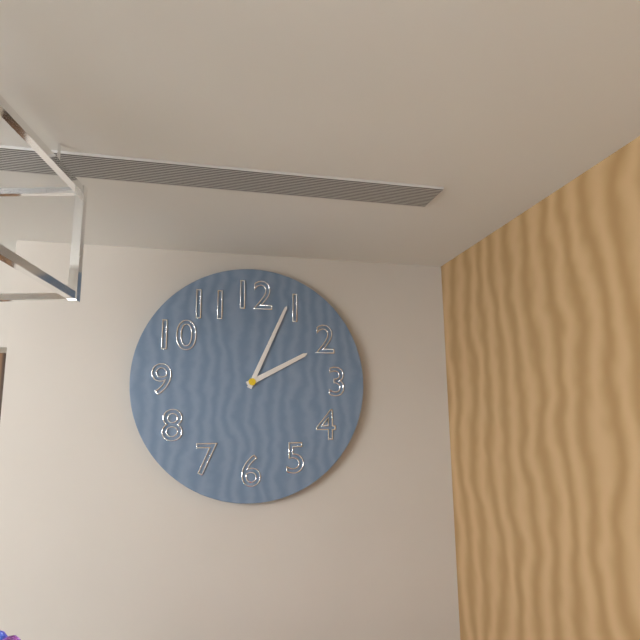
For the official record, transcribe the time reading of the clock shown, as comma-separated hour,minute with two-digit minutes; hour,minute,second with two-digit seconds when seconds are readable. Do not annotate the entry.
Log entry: 2,04
